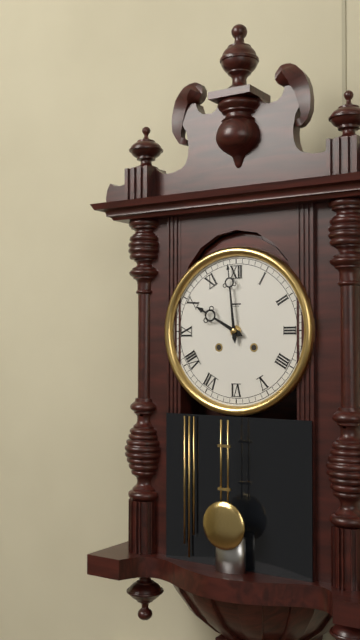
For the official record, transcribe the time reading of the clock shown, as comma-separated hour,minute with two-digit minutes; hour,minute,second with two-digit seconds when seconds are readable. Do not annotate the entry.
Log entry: 9,59
